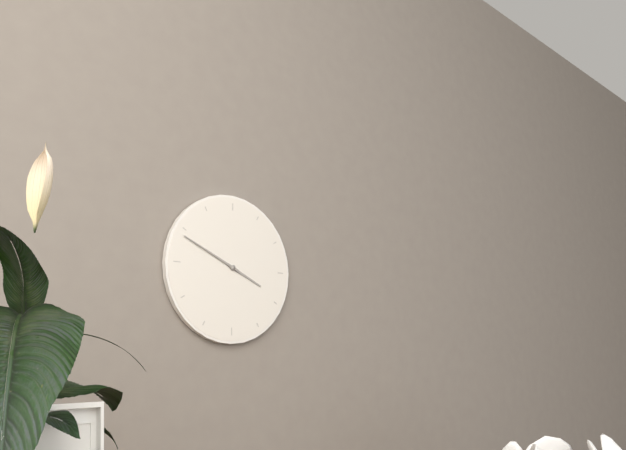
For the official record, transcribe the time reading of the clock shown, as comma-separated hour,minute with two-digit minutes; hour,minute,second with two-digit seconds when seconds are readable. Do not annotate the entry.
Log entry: 3,49
